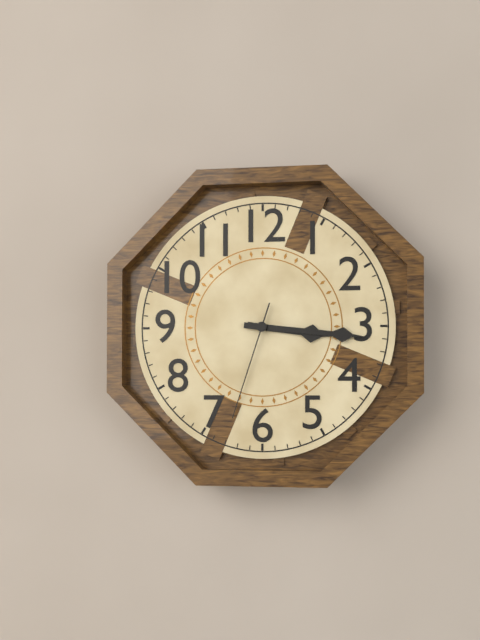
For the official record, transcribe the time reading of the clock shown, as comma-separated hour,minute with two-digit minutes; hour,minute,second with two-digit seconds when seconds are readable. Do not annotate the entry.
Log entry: 3,16,33
